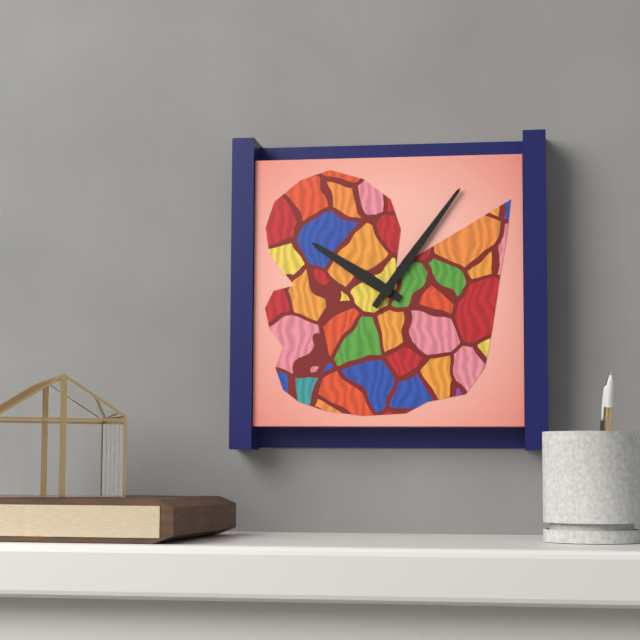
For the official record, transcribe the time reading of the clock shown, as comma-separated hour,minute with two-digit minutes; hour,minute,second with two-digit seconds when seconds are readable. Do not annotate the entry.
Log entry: 10,06
